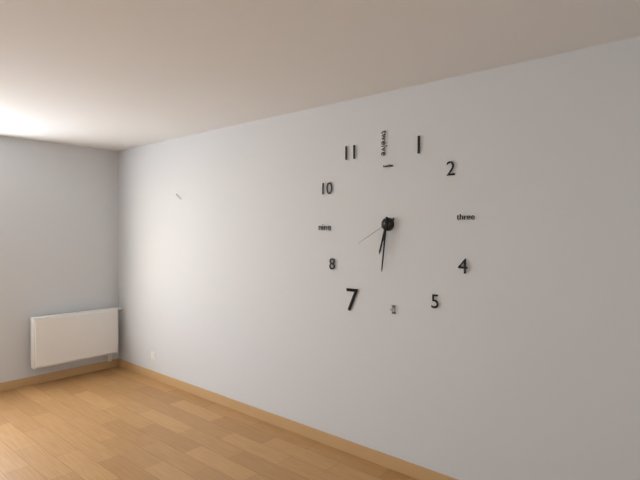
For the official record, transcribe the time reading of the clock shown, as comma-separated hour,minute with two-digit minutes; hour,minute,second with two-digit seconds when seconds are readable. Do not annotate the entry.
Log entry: 6,31
